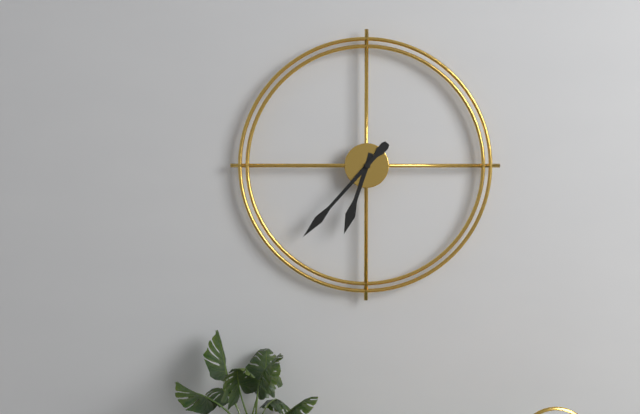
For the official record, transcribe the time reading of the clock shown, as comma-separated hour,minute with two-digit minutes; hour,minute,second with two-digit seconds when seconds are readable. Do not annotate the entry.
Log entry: 6,37
